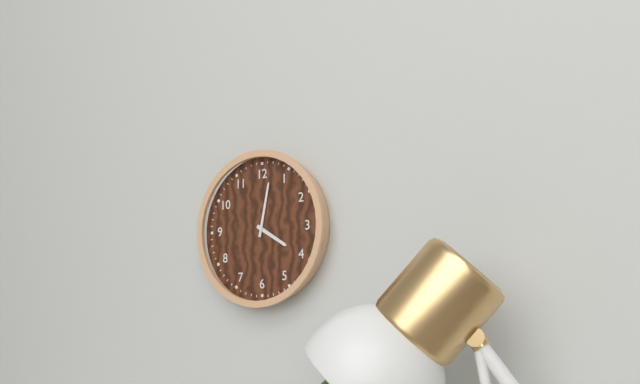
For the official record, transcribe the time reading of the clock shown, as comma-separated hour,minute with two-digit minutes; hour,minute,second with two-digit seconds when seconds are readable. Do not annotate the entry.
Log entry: 4,02
